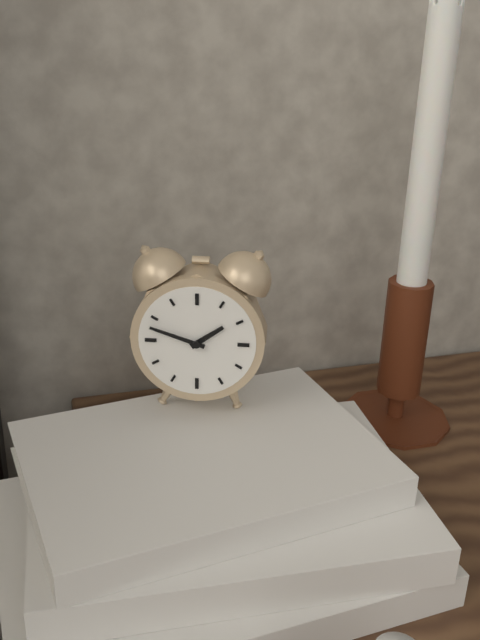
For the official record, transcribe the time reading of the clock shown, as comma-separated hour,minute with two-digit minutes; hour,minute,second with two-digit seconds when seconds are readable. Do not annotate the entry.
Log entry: 1,48
